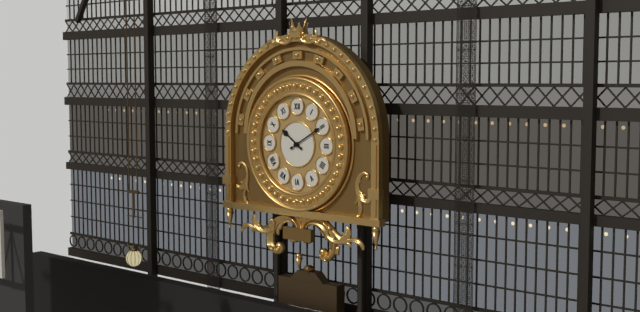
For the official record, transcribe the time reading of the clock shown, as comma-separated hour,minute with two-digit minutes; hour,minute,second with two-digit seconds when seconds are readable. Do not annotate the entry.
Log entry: 10,10
